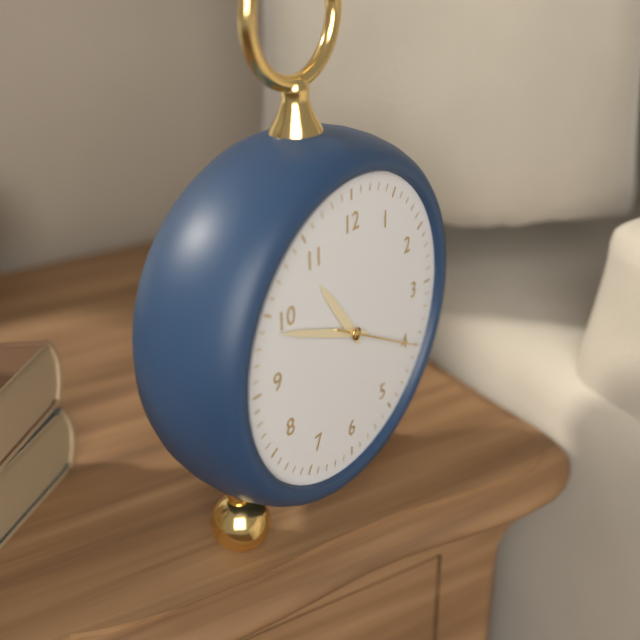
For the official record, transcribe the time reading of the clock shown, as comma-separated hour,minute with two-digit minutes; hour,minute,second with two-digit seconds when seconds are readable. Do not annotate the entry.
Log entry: 10,49,20
